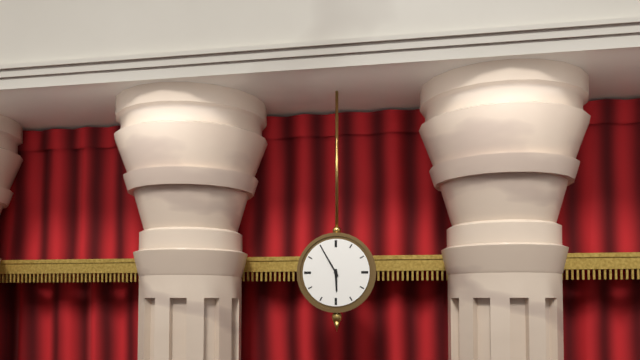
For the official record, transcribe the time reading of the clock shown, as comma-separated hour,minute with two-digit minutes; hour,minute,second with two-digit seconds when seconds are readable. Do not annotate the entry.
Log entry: 5,55
